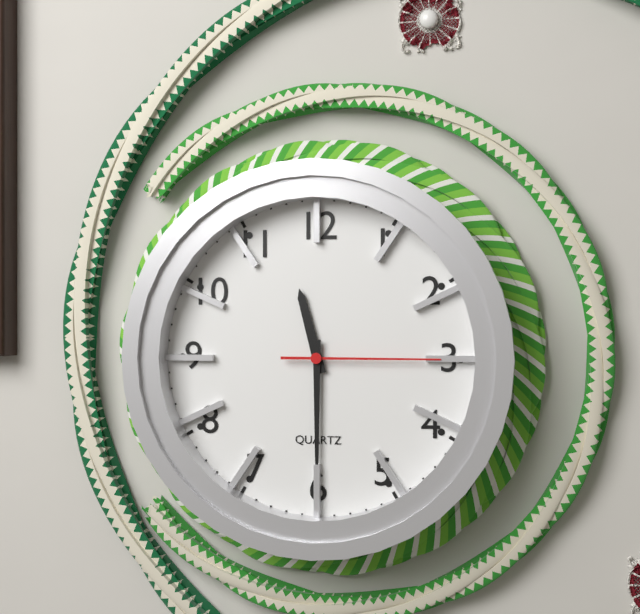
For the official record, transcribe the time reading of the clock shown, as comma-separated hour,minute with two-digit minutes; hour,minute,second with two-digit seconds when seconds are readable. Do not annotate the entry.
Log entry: 11,30,15
